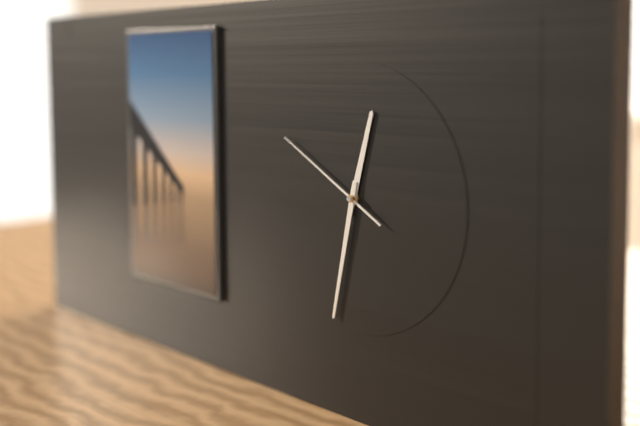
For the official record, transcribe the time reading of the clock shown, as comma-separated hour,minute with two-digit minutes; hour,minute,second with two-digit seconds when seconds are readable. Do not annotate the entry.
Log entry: 12,32,50
